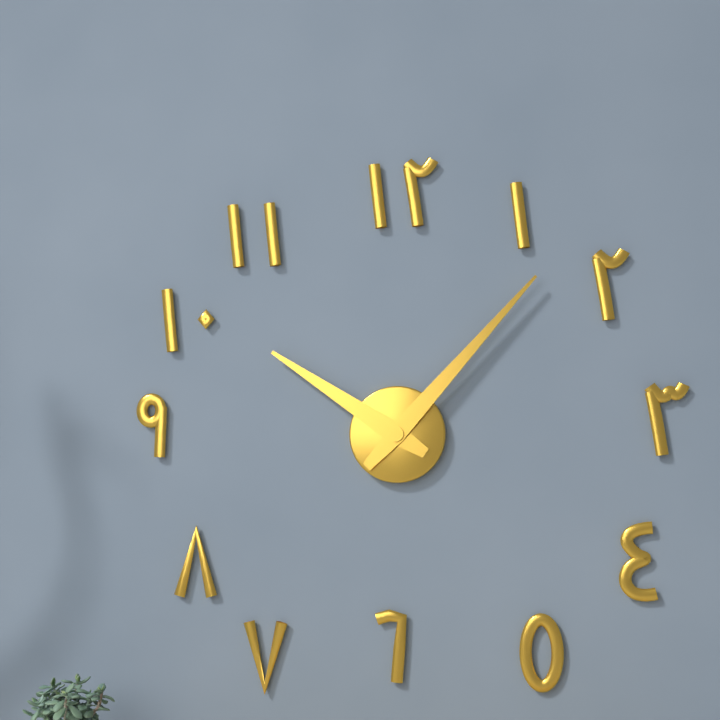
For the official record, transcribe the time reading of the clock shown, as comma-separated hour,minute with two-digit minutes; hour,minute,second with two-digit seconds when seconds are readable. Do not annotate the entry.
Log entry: 10,07
